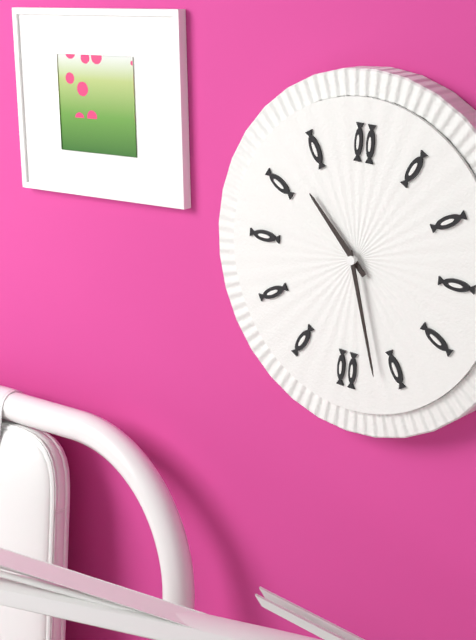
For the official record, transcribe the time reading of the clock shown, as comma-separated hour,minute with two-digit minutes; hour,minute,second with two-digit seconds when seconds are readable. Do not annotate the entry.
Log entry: 10,27
